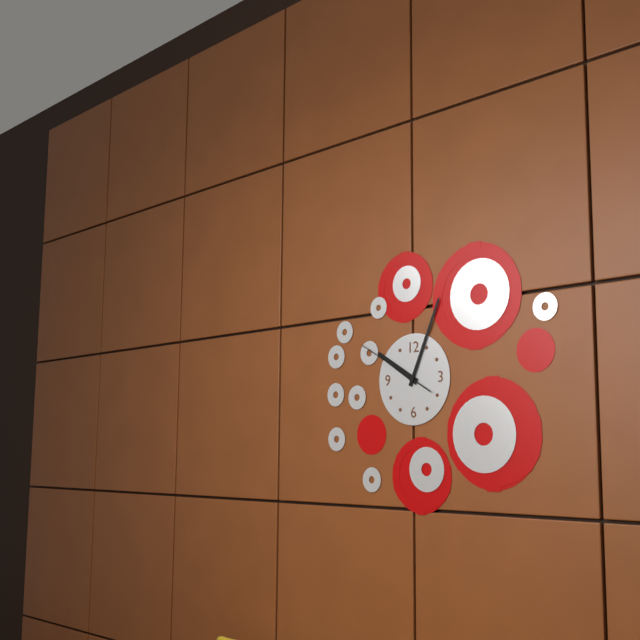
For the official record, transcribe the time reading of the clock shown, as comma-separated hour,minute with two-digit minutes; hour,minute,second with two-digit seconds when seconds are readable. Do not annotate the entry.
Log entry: 10,04,50
